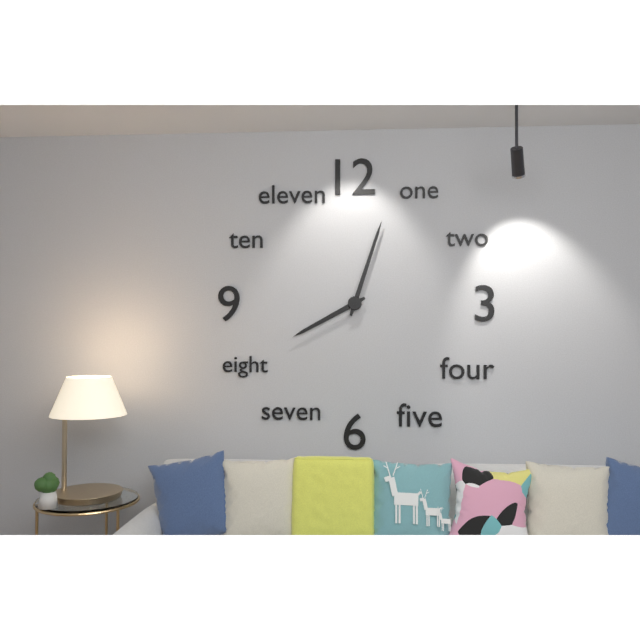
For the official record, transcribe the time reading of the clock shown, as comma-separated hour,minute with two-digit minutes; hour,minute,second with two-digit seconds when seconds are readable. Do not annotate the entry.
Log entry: 8,03
